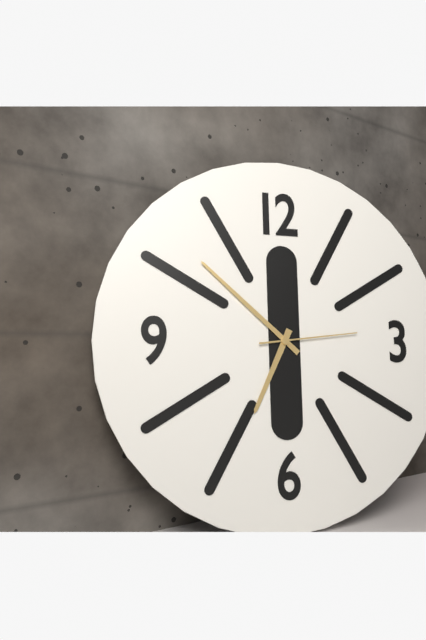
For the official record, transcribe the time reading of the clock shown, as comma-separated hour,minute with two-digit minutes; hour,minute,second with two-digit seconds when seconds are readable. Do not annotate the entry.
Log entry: 6,52,14
